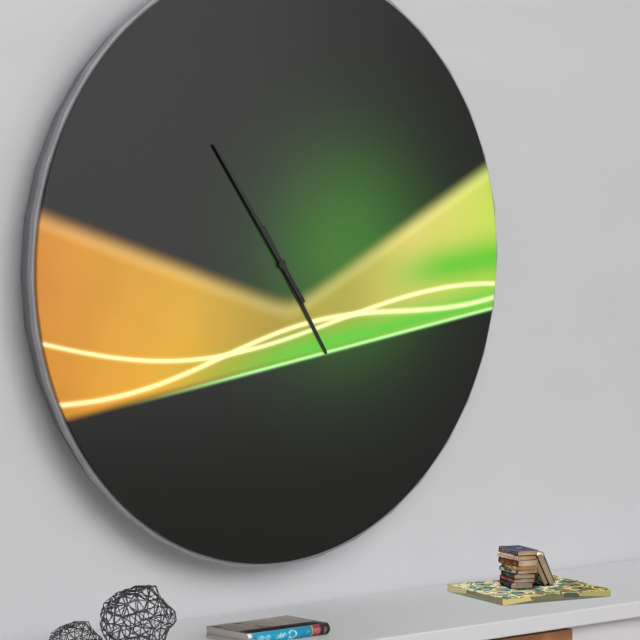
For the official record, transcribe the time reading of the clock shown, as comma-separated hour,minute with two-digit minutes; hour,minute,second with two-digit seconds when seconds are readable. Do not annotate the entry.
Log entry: 4,54
